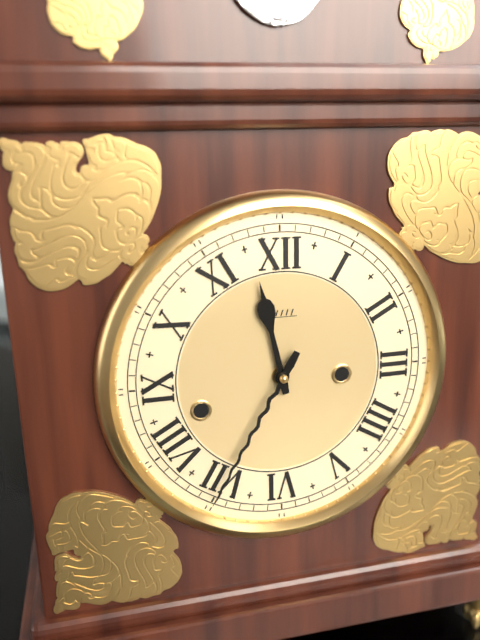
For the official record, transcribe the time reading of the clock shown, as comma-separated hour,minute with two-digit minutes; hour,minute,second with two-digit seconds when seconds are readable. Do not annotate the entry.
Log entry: 11,35
